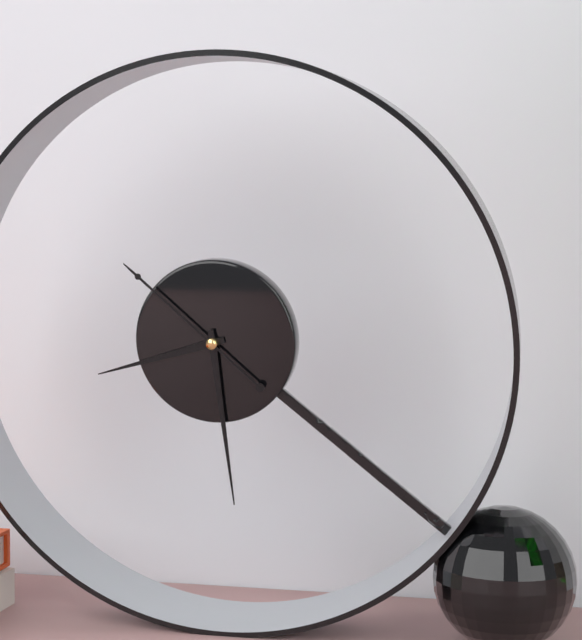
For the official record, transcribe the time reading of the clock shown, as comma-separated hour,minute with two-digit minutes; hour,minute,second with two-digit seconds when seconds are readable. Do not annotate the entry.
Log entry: 8,29,52
